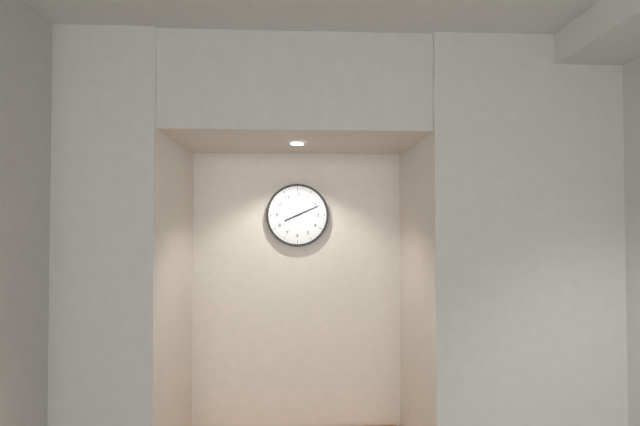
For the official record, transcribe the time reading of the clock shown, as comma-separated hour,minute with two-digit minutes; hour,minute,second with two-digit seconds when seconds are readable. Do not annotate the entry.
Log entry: 8,11
